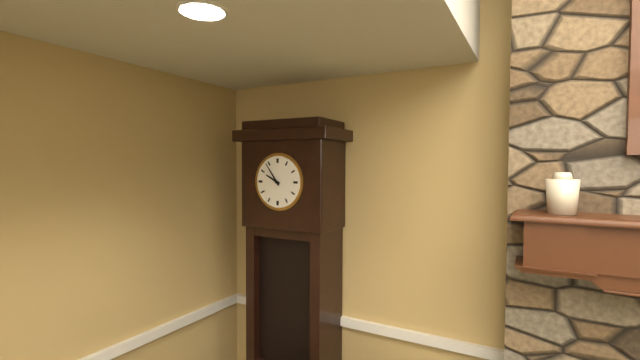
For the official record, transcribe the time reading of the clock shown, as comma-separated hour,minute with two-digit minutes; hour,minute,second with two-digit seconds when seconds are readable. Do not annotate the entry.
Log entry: 9,54
